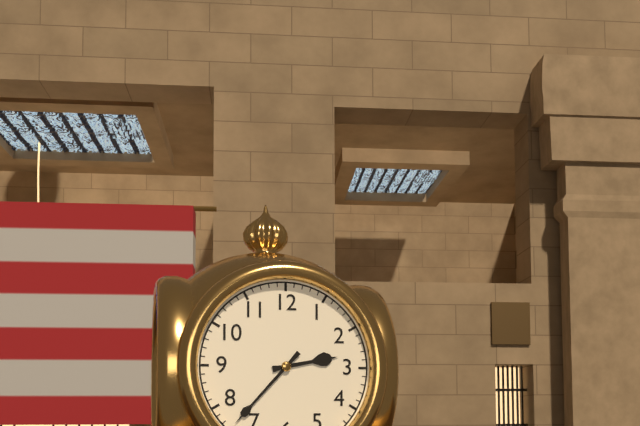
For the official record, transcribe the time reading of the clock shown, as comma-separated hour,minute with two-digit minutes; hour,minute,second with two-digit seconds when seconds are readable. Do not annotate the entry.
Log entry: 2,37
